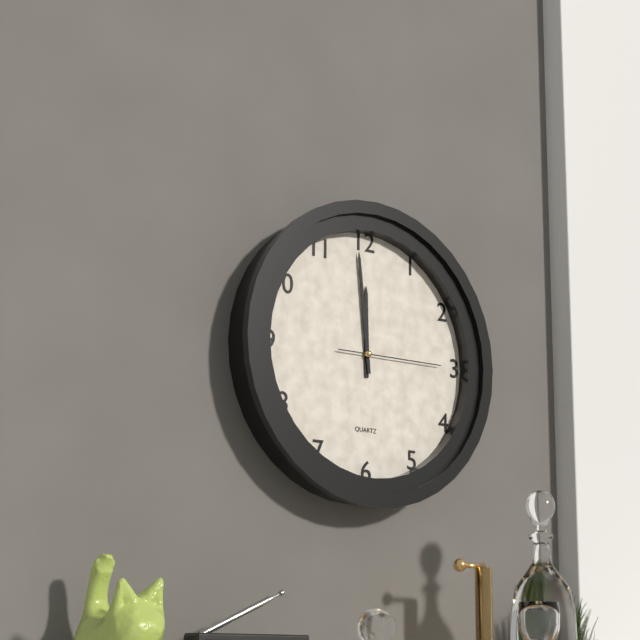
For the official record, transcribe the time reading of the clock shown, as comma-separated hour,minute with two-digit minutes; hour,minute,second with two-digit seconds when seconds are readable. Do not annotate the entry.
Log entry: 11,59,15
